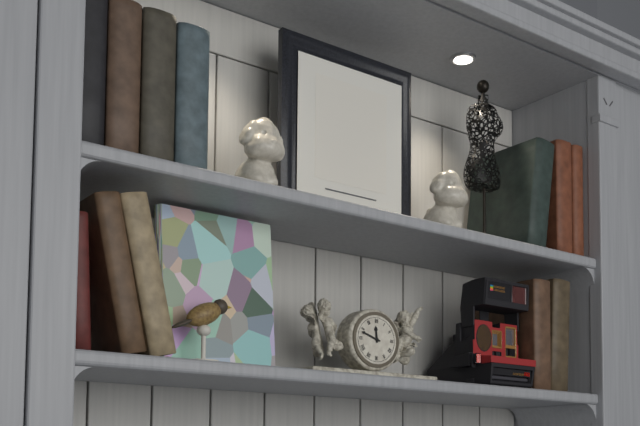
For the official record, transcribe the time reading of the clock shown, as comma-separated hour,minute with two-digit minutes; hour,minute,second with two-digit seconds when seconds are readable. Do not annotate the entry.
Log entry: 11,48
